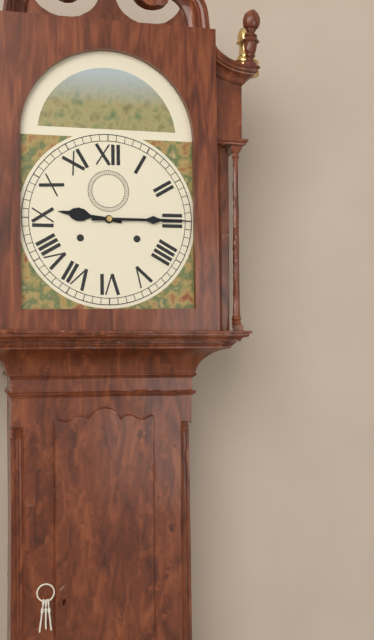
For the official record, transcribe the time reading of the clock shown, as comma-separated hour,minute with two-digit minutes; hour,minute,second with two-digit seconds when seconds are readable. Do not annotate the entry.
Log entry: 9,15
